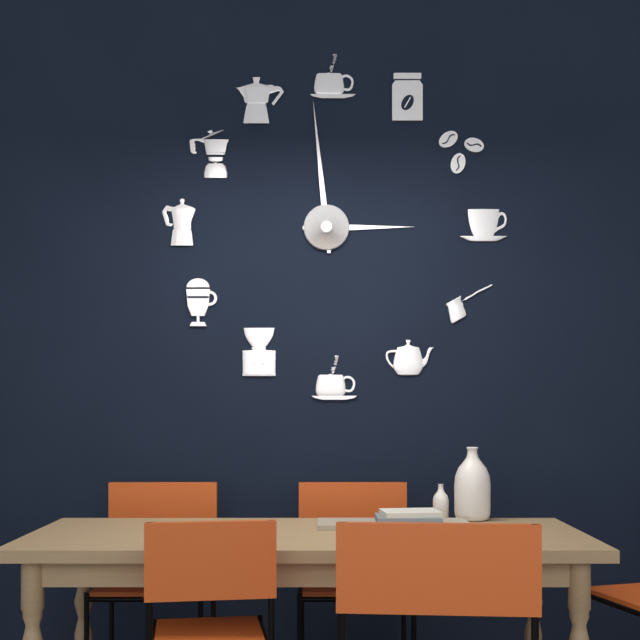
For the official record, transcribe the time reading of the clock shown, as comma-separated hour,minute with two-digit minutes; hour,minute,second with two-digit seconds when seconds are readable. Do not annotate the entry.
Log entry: 2,59
